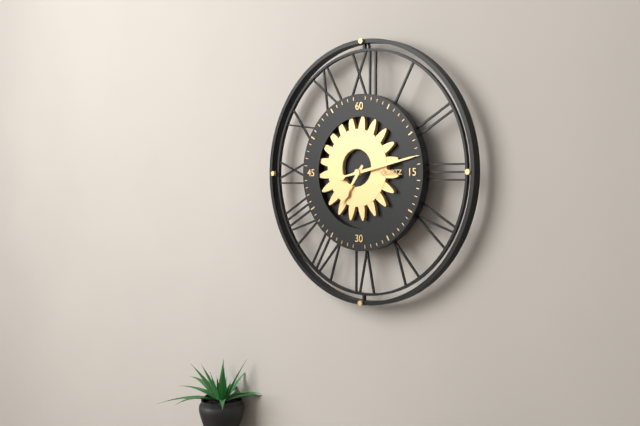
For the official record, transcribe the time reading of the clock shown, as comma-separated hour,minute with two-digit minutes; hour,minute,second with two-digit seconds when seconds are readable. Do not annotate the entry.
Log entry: 7,13
